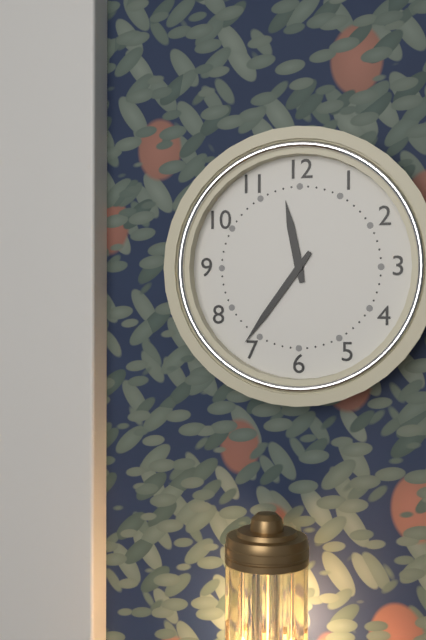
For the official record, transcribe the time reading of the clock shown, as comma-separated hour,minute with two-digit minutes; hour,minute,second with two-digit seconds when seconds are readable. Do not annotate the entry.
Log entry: 11,36
